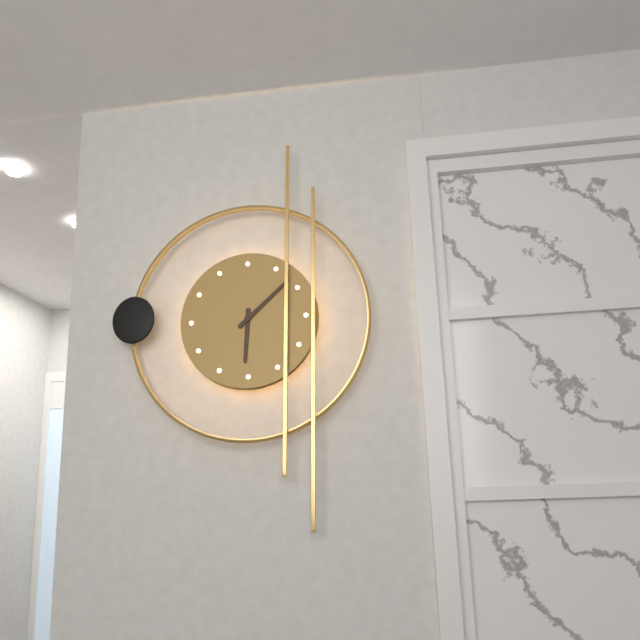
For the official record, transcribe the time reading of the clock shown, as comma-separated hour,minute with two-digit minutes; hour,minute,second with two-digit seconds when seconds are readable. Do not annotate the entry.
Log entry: 6,08
